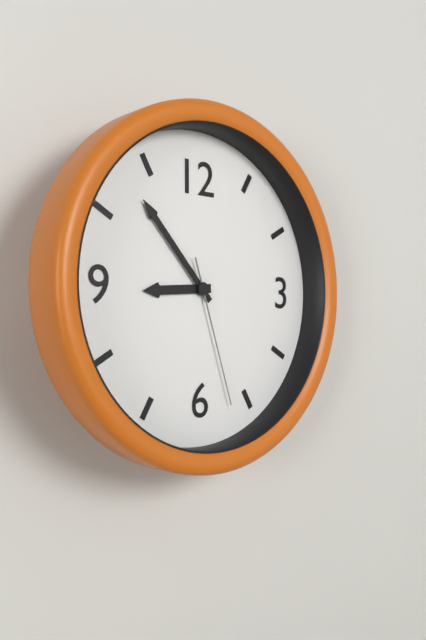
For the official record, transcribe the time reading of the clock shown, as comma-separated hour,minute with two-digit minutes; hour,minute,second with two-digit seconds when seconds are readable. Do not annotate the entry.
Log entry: 8,53,27
